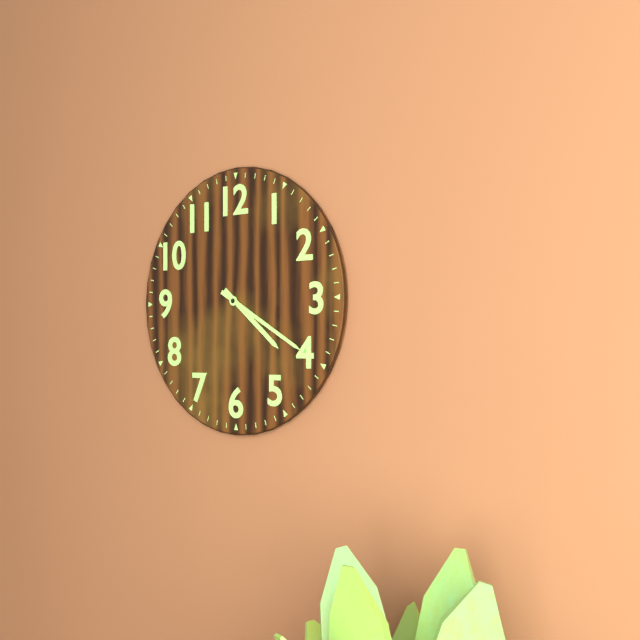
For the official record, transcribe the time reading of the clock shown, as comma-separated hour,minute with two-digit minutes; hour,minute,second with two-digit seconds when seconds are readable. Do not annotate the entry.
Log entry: 4,20
